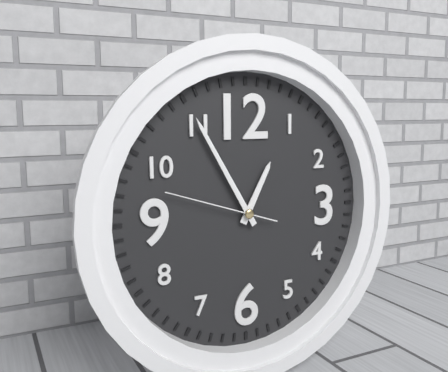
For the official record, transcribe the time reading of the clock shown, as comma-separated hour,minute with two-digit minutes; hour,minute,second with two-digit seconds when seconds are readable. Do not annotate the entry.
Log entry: 12,55,48
